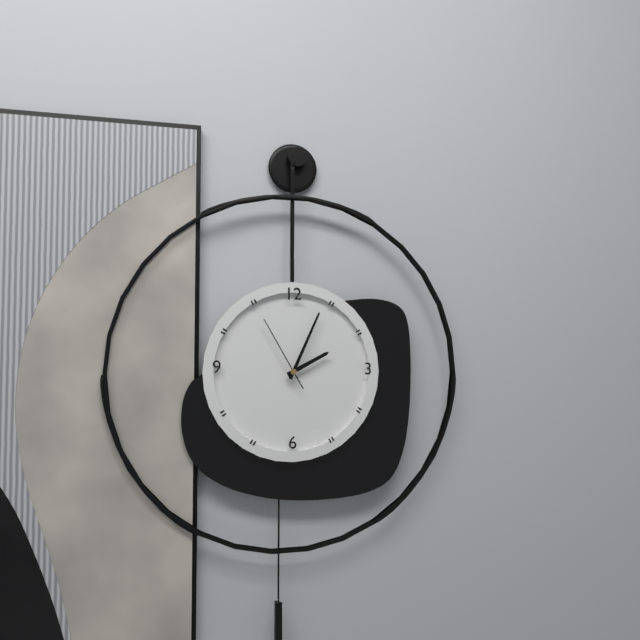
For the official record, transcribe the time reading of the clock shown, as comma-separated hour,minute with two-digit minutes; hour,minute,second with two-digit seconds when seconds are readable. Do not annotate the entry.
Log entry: 2,04,55
